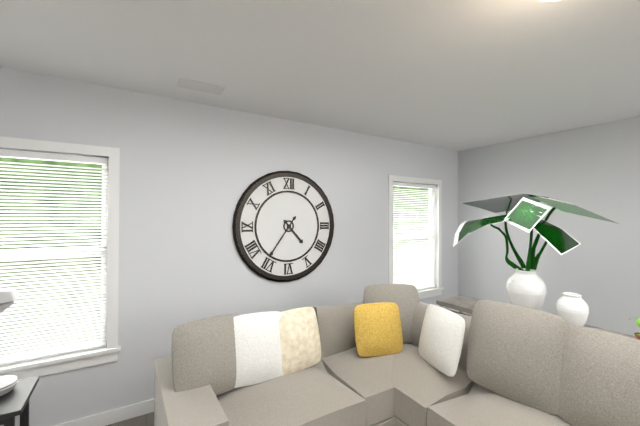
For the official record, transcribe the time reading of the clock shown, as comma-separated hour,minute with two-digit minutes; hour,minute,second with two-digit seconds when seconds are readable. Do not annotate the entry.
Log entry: 4,36
